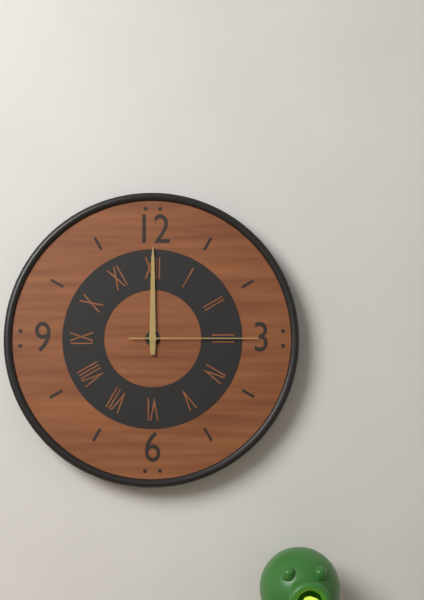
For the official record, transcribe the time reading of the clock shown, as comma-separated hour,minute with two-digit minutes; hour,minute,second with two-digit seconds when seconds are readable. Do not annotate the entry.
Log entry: 12,00,15
